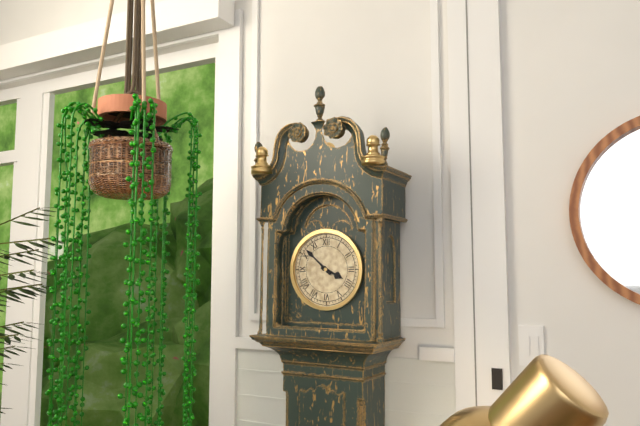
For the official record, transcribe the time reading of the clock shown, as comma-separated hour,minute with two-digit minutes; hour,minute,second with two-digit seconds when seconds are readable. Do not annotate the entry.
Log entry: 3,52
